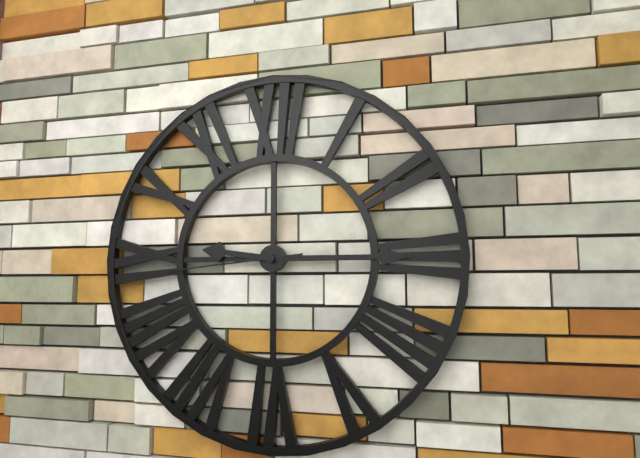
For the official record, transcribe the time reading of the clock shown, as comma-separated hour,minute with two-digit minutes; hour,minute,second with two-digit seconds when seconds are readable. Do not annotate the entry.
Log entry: 9,15,44
